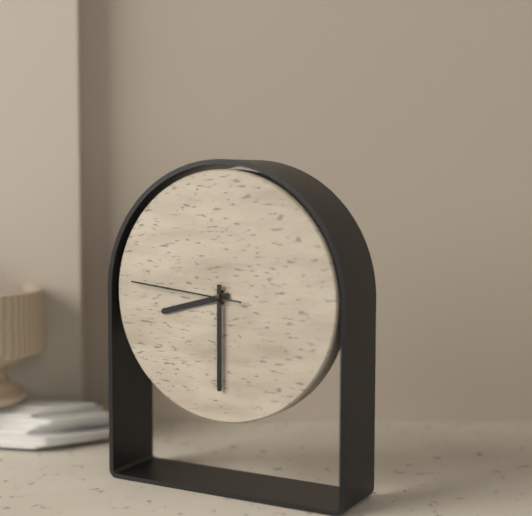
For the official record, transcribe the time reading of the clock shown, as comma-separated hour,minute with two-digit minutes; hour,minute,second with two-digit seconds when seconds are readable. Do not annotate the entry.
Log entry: 8,30,46
